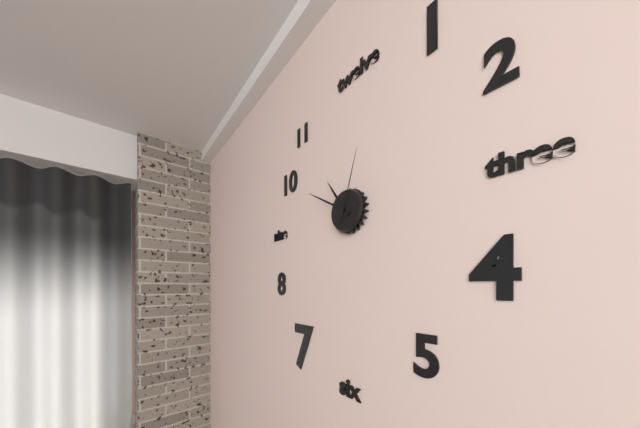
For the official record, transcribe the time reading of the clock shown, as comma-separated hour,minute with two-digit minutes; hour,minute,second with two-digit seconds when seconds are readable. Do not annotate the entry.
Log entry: 10,50,03
